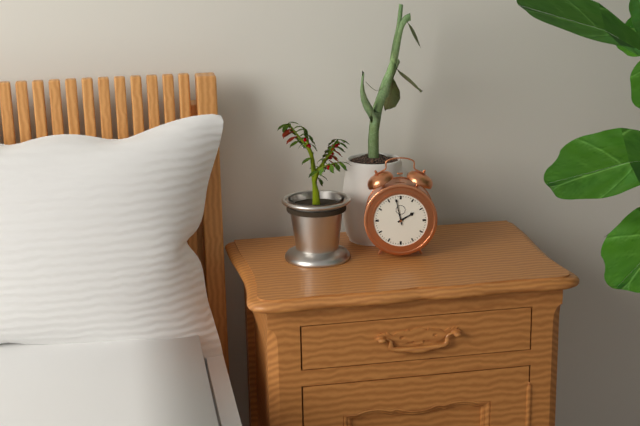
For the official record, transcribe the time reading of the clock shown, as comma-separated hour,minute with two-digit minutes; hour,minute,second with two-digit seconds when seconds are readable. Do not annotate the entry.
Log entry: 1,58
